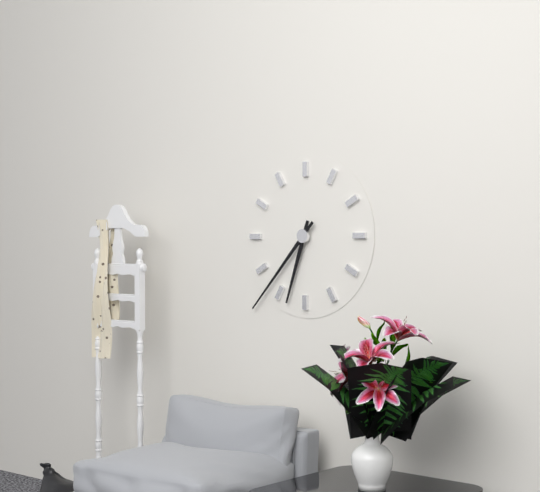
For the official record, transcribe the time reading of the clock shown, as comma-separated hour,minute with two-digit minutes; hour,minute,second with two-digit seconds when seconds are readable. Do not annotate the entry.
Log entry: 6,37
